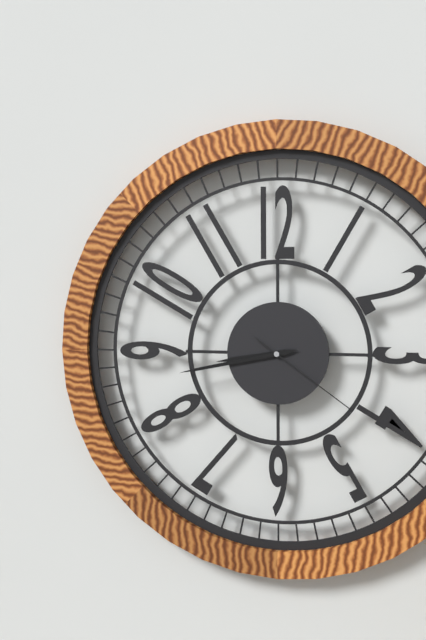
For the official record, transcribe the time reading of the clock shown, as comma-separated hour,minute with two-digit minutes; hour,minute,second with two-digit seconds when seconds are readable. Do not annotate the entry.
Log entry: 8,43,21
